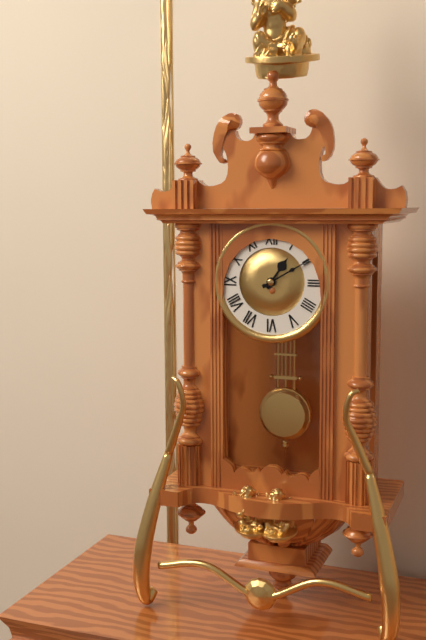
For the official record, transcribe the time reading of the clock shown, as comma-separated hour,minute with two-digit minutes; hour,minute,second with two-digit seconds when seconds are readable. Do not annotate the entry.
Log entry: 1,10
